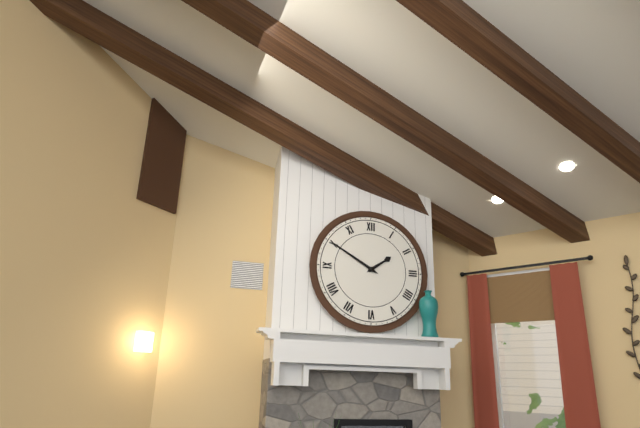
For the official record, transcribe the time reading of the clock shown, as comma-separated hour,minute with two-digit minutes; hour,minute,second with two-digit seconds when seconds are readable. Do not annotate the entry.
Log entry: 1,50
